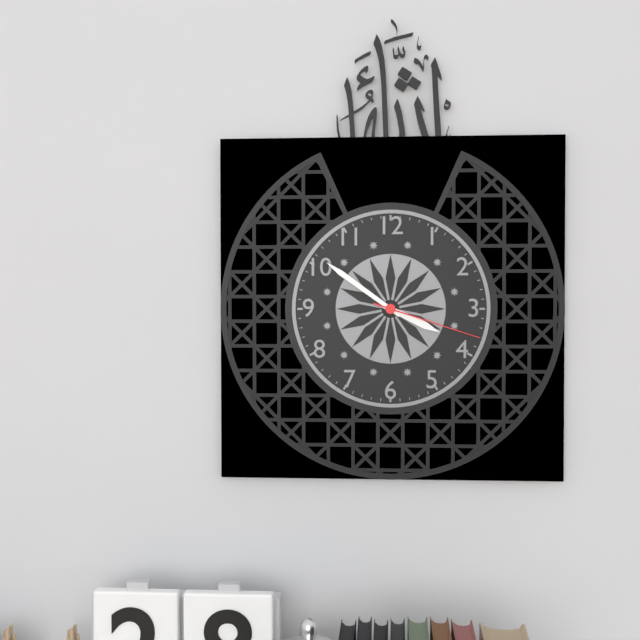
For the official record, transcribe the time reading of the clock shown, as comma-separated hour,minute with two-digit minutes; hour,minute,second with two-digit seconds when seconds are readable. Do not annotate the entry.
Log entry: 3,51,18
